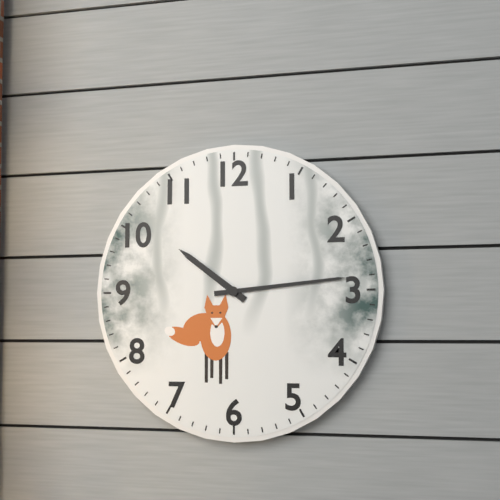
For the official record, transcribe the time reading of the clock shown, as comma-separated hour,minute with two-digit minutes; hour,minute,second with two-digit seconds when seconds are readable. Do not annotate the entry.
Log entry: 10,14
